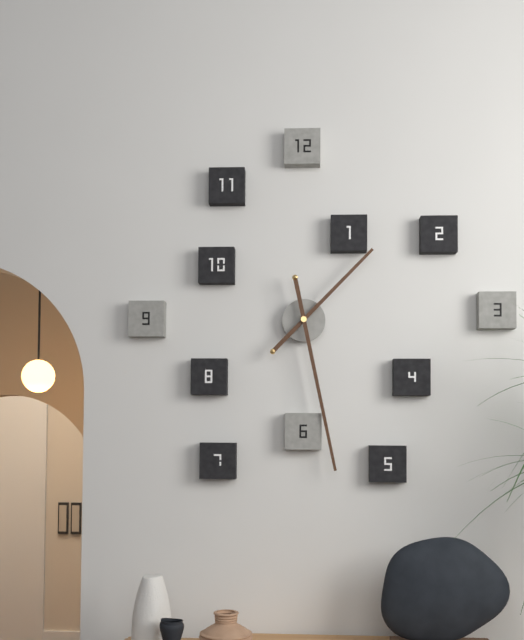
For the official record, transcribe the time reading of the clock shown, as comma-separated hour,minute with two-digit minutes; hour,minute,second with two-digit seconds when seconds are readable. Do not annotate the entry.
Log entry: 1,28
